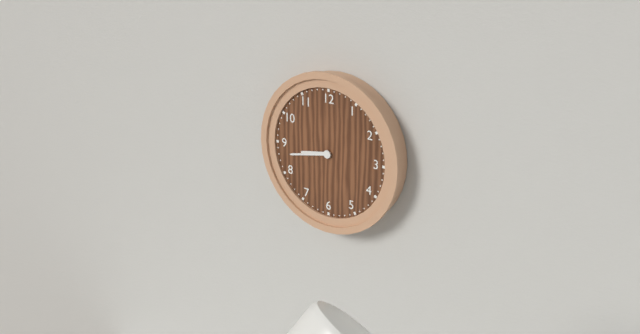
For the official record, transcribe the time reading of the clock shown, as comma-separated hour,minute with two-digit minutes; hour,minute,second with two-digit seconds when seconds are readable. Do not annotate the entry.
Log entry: 8,43
